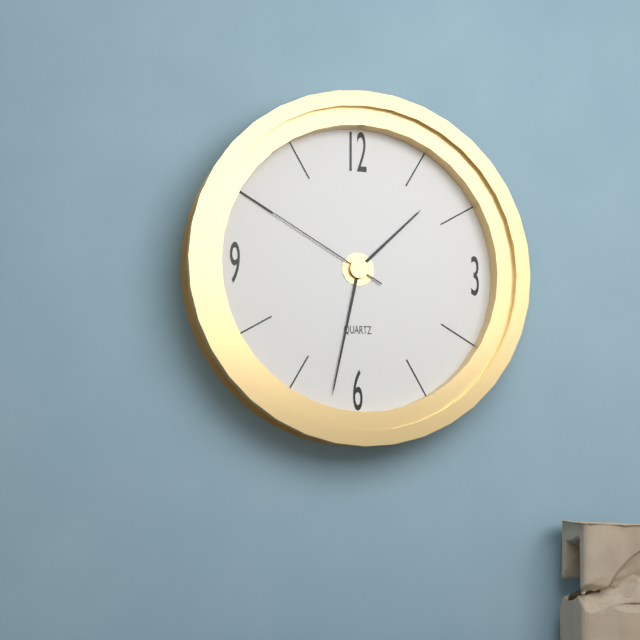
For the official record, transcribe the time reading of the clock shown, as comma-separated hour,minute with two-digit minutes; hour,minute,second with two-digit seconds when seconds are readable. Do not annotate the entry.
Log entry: 1,32,50
